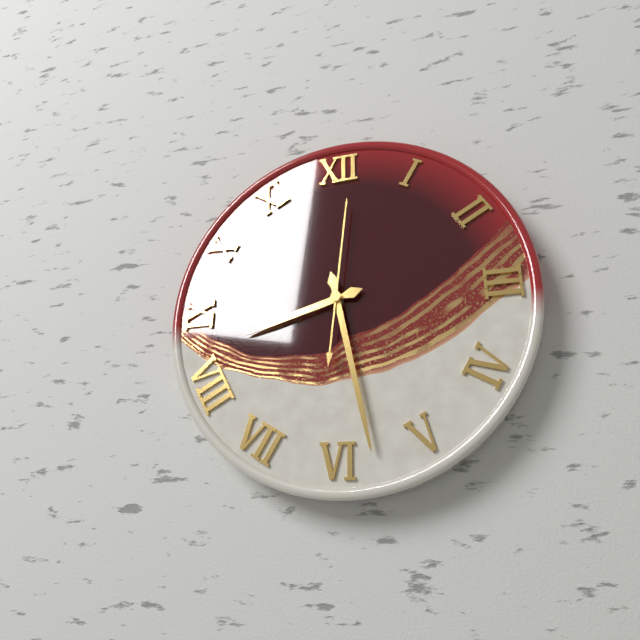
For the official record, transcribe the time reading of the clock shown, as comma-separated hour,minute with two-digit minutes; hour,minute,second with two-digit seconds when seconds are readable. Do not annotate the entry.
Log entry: 8,28,01
